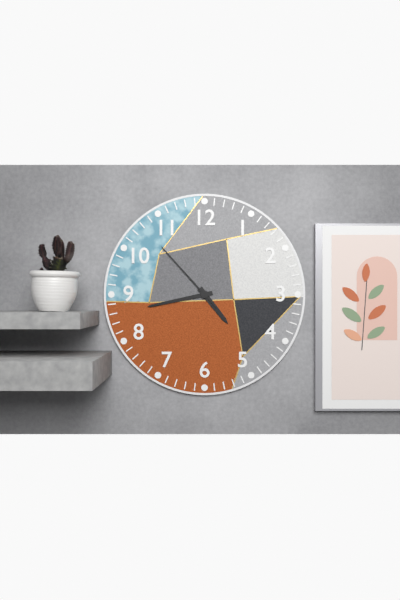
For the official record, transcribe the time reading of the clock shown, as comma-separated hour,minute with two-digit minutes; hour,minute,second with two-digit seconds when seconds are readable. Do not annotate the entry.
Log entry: 4,43,53
